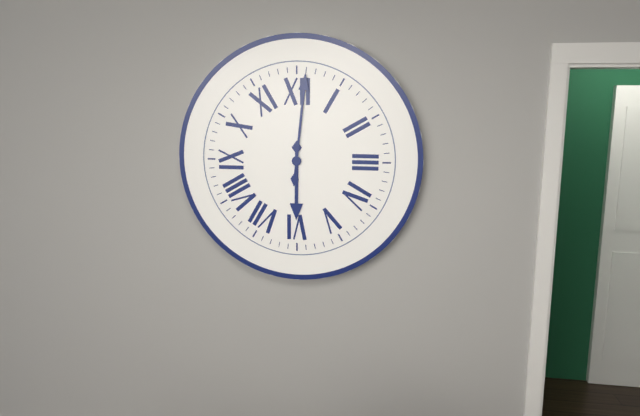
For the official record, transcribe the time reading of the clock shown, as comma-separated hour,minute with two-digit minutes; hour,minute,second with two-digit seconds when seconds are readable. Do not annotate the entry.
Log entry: 6,01
